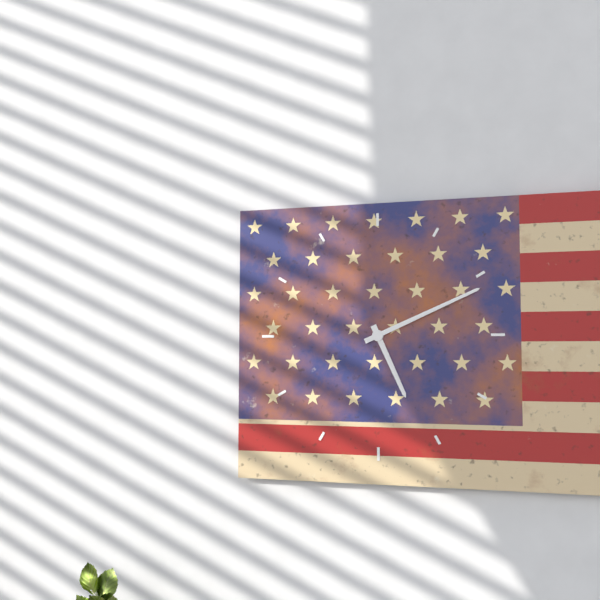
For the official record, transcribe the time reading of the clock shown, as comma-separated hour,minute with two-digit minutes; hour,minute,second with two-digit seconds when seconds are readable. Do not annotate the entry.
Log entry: 5,11
